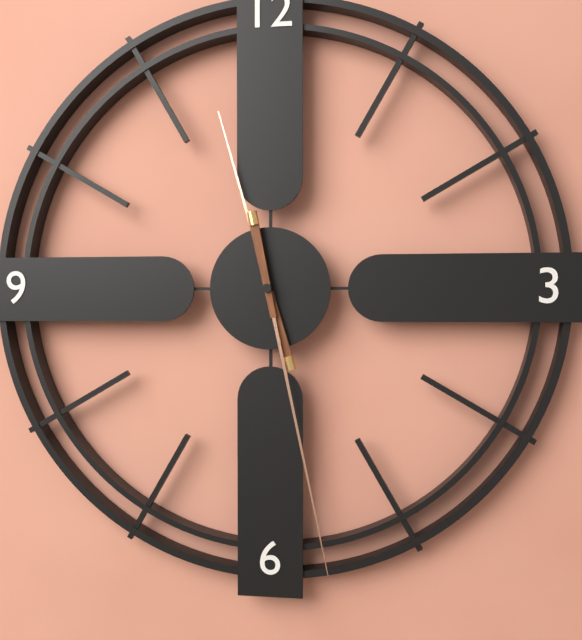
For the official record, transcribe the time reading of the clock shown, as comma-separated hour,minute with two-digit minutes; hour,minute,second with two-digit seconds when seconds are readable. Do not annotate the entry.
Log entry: 11,28
